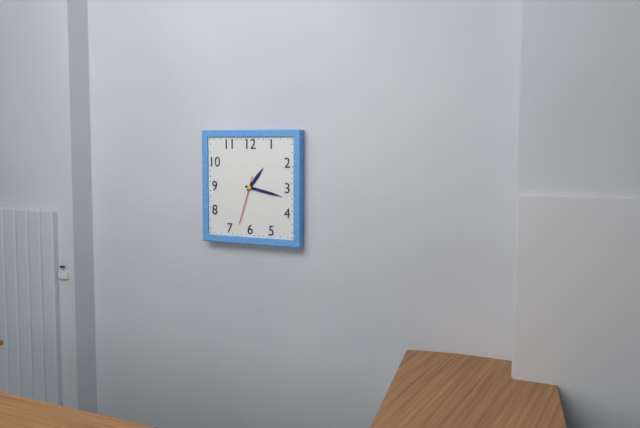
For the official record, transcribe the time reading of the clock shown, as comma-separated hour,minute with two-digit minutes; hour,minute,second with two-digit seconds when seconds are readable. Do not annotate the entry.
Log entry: 1,17
